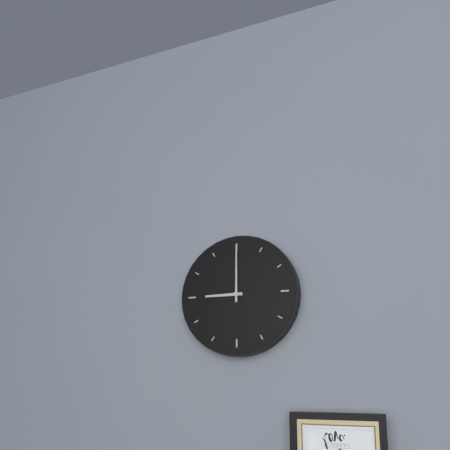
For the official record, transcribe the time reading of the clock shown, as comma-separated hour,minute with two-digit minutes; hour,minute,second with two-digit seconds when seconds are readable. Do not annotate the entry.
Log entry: 9,00
